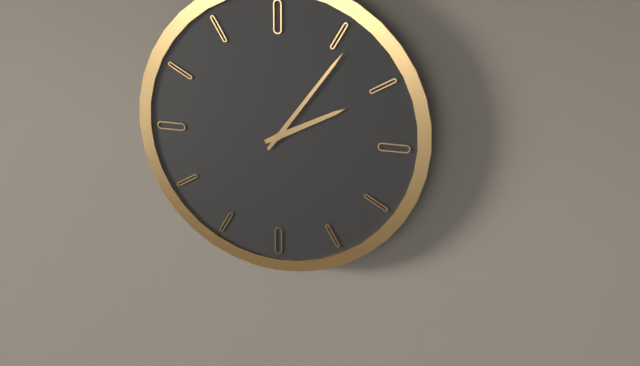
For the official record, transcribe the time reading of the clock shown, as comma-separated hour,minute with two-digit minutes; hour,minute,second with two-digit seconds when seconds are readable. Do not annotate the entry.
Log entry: 2,06
